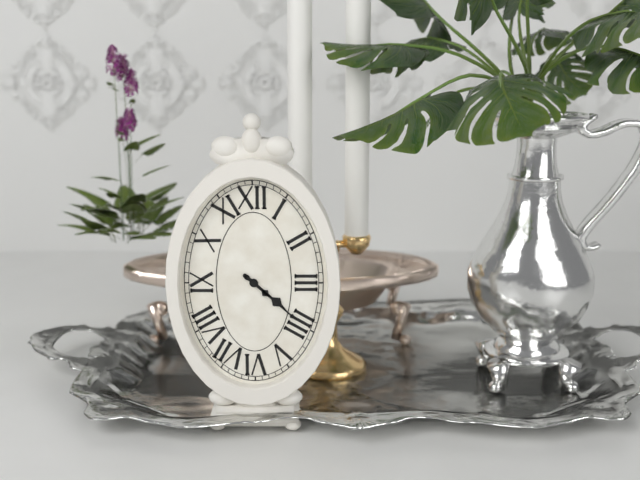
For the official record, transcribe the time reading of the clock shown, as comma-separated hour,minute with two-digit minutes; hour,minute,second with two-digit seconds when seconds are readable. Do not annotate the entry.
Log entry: 4,22
